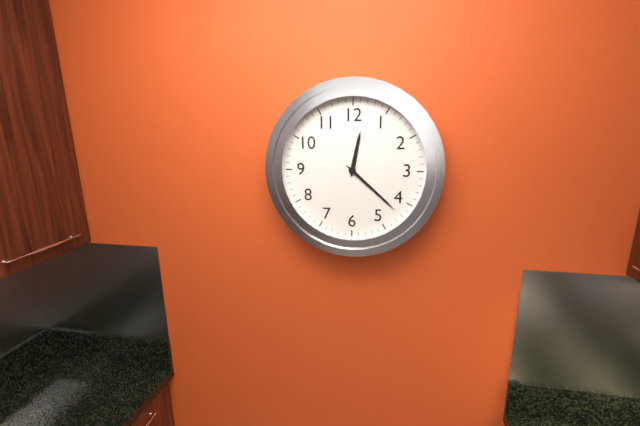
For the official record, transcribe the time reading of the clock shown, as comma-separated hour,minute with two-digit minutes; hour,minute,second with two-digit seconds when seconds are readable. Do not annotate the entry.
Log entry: 12,22
